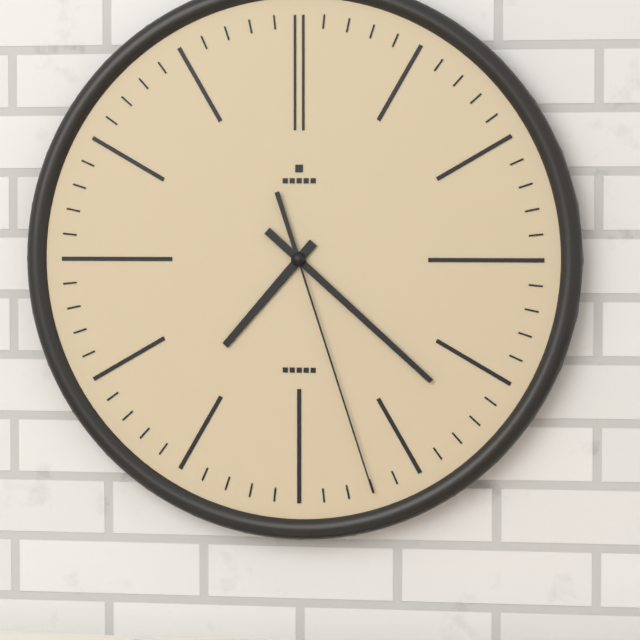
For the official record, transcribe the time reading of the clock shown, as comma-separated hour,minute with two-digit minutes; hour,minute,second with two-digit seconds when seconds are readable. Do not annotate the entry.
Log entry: 7,22,27
